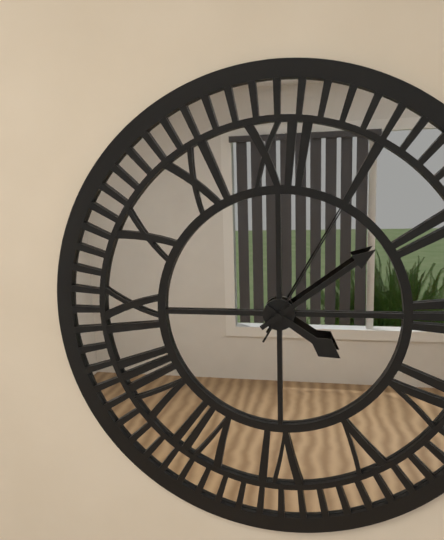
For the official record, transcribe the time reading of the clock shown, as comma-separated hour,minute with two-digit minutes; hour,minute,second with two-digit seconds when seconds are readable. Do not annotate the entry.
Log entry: 4,09,05
